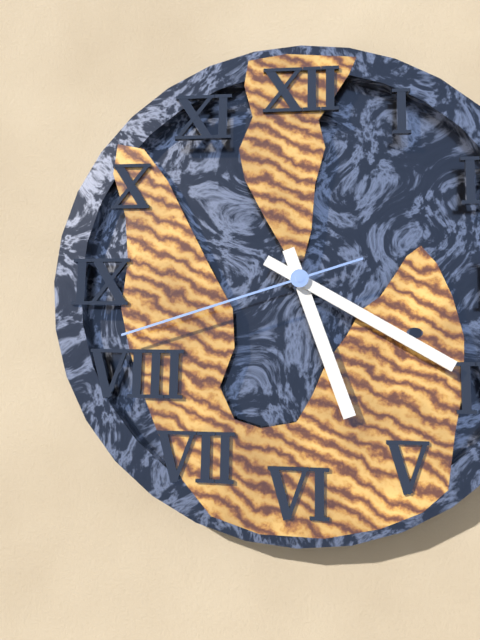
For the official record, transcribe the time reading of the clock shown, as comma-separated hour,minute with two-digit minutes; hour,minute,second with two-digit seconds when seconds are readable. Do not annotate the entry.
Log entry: 5,20,42
